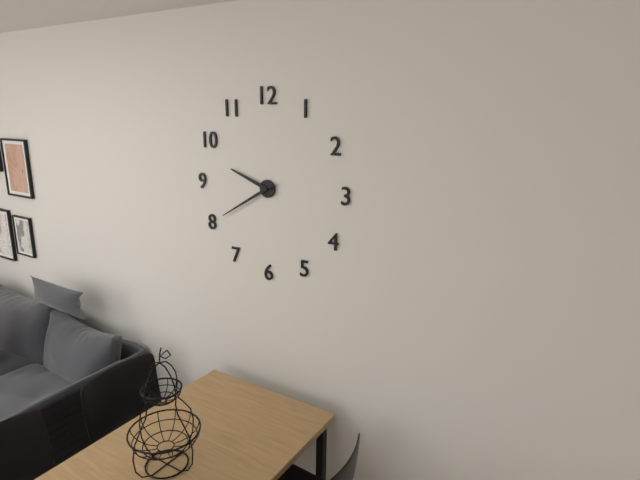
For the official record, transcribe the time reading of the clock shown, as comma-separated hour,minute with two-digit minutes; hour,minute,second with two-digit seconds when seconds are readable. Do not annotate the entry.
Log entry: 9,40
